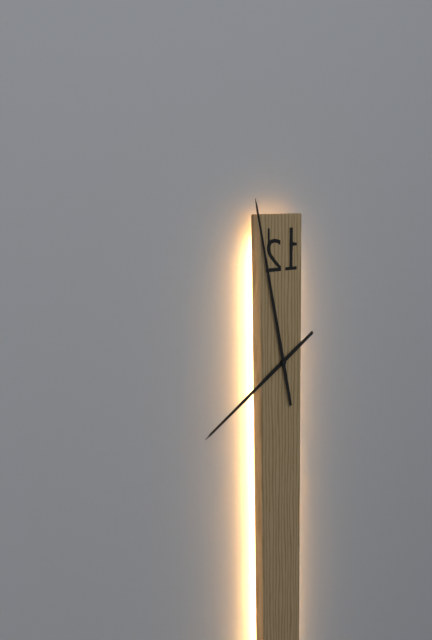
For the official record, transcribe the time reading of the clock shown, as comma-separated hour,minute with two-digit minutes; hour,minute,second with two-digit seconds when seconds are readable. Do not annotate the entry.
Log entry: 7,58
